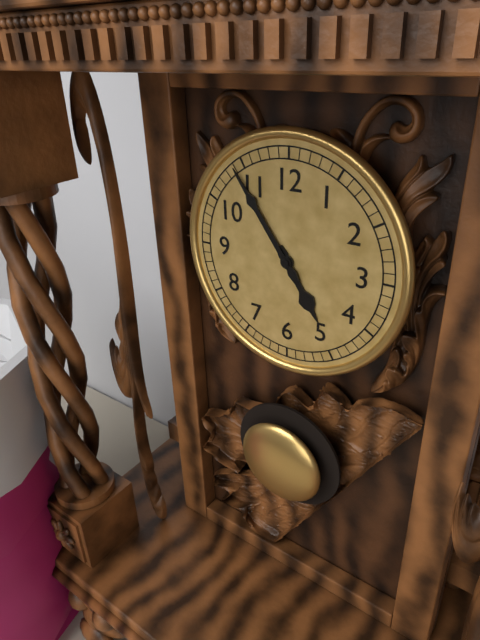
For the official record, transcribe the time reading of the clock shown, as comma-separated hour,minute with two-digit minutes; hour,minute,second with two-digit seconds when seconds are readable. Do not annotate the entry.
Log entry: 4,54
